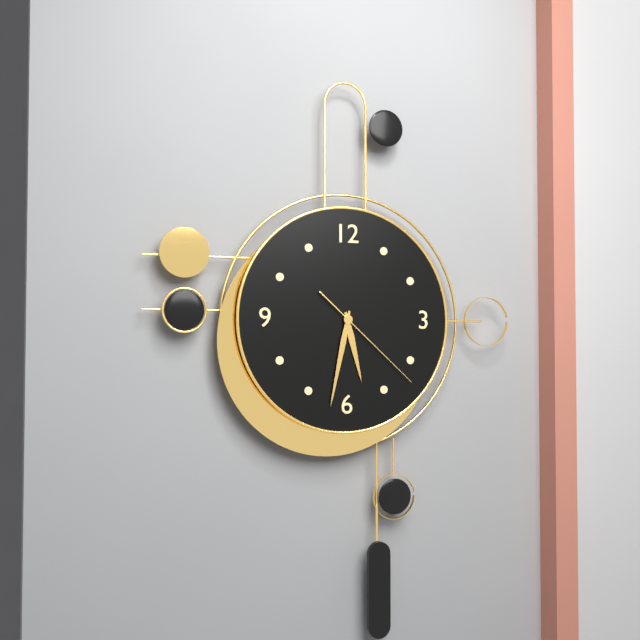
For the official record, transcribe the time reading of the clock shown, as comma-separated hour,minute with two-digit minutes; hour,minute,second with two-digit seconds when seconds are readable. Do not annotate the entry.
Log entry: 5,32,22
